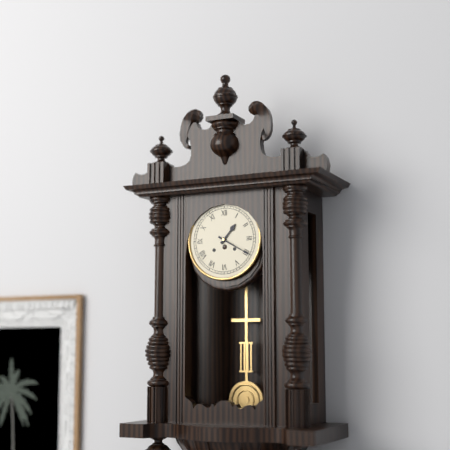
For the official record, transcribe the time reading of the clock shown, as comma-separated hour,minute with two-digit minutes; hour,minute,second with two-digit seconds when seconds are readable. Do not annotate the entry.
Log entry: 1,20
